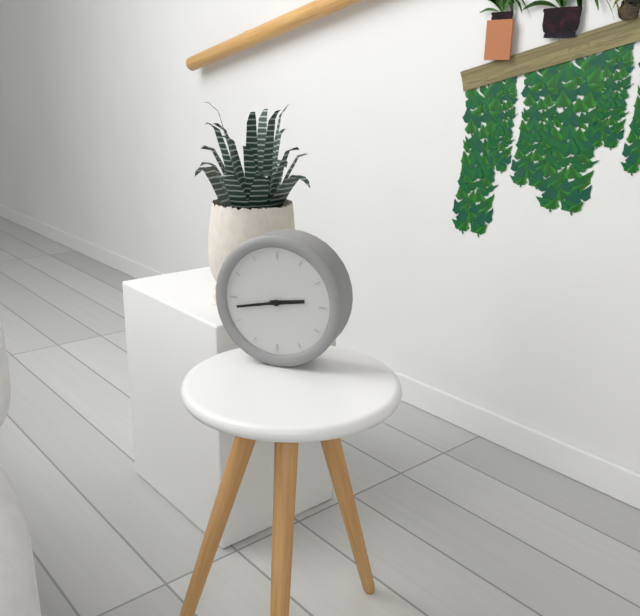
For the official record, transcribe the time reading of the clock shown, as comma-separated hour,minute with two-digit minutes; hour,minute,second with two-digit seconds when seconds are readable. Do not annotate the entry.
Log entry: 2,43
